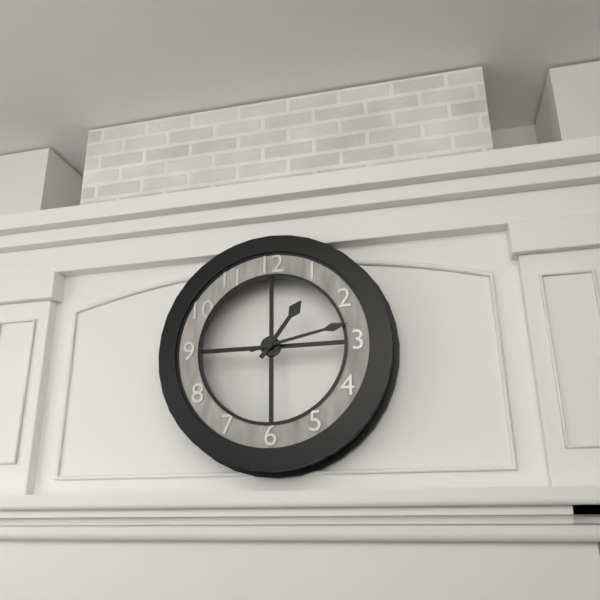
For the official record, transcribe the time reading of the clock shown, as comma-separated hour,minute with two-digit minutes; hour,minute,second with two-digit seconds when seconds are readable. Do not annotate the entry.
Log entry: 1,13
